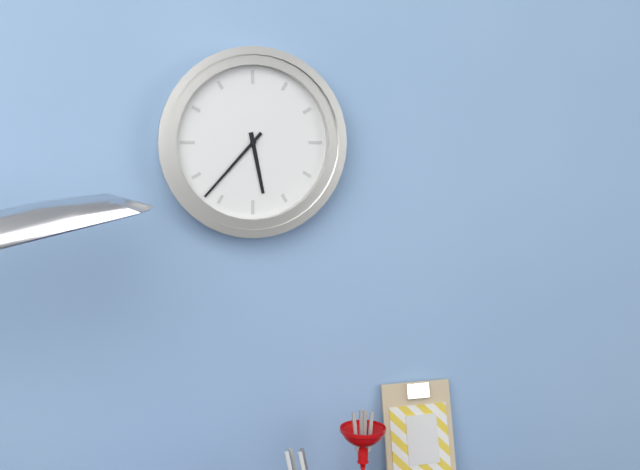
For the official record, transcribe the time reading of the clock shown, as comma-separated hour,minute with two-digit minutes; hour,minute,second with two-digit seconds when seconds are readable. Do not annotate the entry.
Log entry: 5,37
